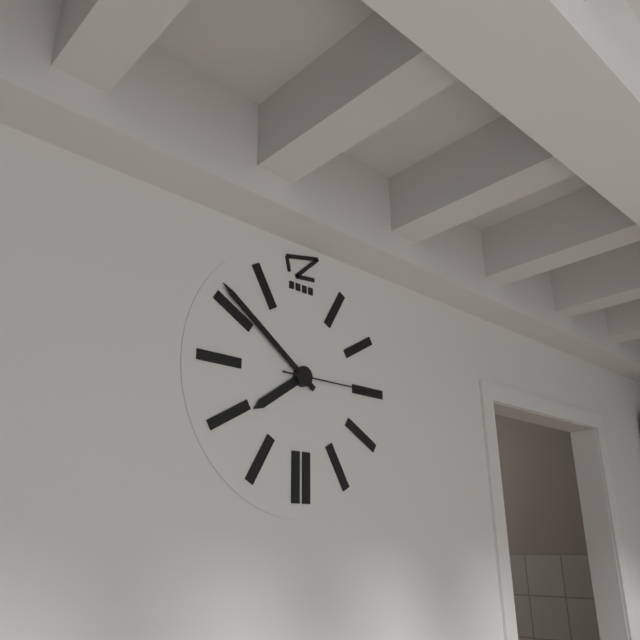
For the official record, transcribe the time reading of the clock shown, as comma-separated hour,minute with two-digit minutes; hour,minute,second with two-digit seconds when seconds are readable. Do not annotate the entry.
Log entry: 7,51,15
